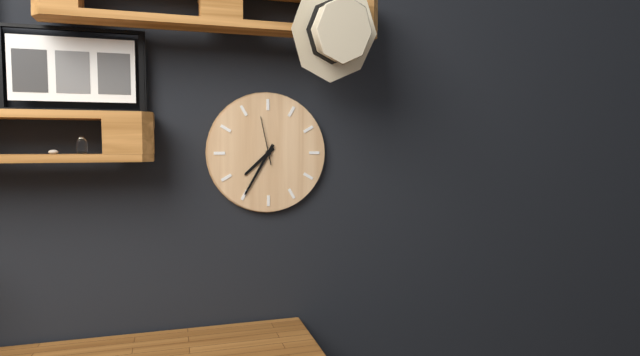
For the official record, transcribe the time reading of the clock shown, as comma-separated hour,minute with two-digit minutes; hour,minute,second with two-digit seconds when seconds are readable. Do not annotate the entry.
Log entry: 7,35
